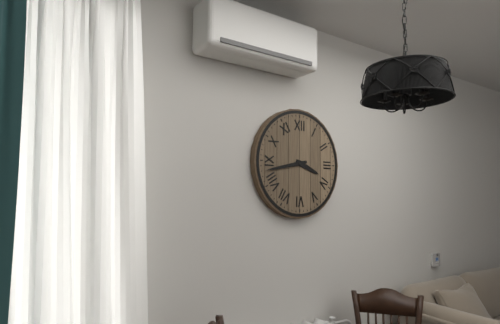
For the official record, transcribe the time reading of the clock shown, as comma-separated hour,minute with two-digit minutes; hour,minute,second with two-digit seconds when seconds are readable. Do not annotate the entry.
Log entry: 3,43
